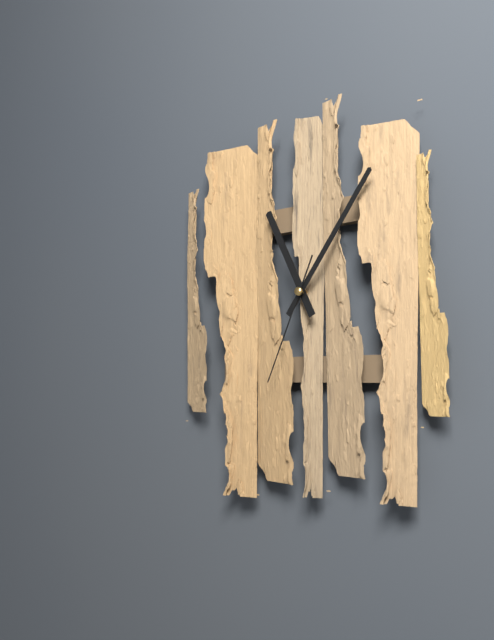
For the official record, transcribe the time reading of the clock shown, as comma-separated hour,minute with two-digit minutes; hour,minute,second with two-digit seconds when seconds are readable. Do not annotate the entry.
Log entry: 11,06,34
